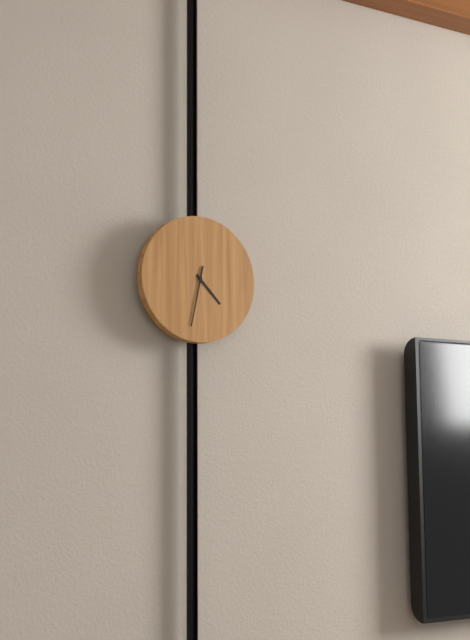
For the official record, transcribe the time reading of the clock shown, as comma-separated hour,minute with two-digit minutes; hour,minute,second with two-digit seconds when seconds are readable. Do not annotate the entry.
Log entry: 4,32
